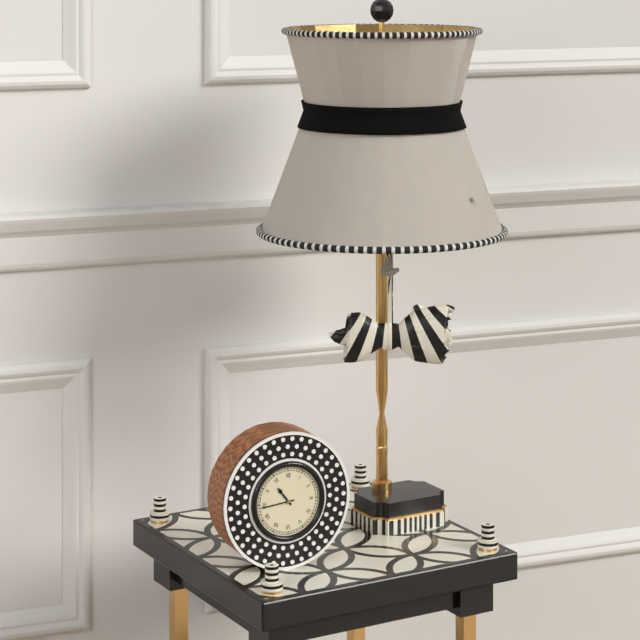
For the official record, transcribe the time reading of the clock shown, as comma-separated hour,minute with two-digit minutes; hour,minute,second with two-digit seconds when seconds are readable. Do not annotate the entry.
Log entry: 10,44
